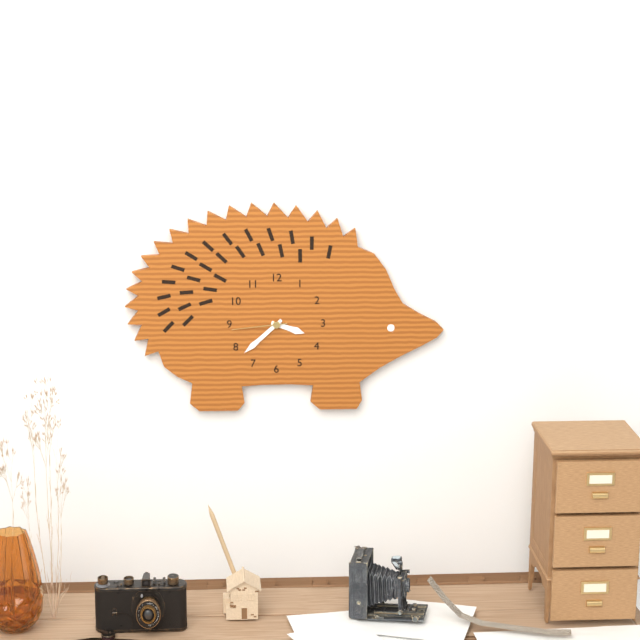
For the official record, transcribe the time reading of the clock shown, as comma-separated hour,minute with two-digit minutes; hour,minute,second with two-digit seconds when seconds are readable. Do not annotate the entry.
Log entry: 3,38,44
